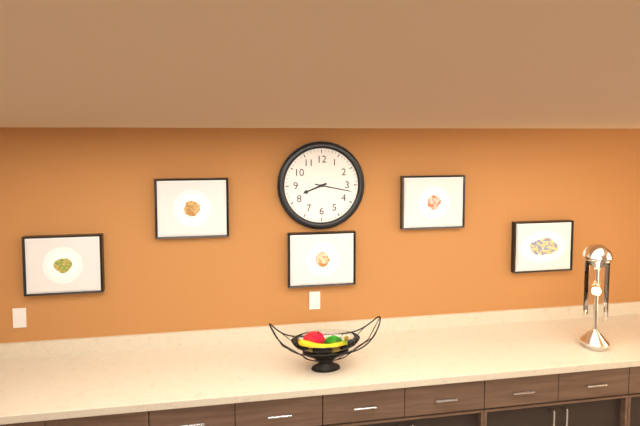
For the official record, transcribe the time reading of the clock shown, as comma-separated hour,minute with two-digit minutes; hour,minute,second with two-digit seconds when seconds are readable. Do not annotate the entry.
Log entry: 8,17
